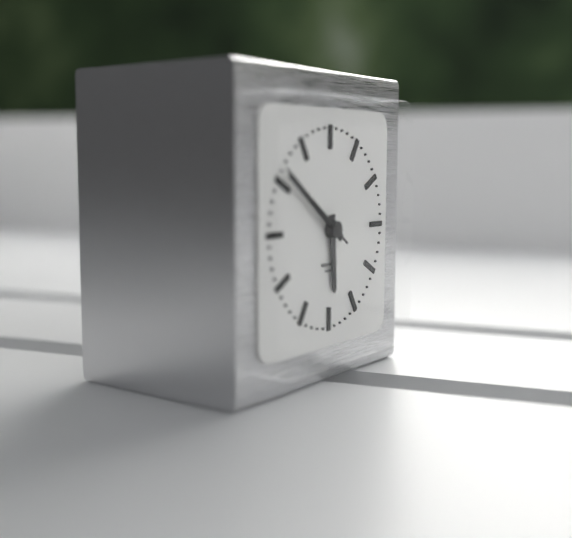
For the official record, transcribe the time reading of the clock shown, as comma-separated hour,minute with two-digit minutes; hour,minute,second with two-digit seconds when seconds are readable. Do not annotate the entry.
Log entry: 5,51,51
